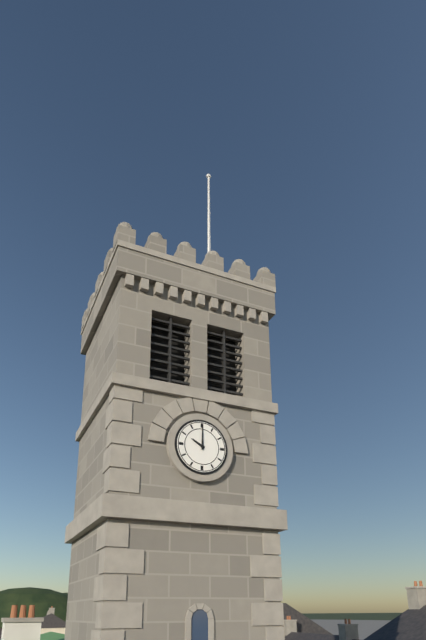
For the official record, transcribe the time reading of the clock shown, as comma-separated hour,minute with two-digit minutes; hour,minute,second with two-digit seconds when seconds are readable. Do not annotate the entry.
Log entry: 10,00
